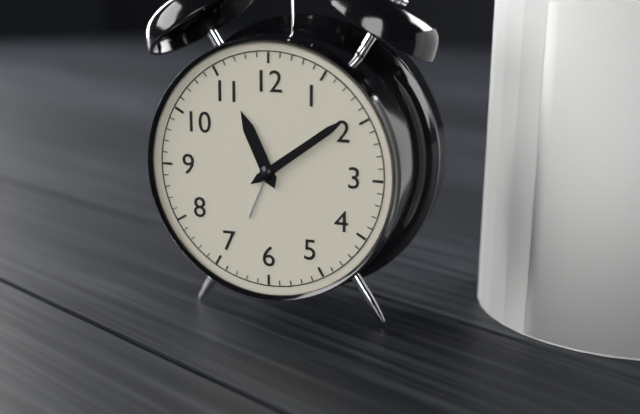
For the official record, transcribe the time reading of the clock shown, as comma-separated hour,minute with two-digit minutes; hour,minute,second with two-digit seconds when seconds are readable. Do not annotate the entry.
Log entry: 11,09
